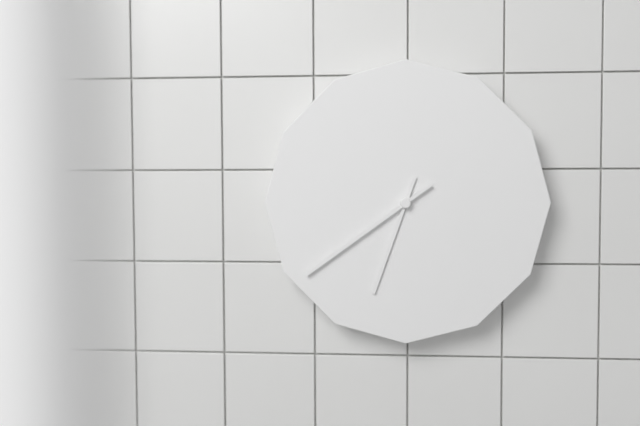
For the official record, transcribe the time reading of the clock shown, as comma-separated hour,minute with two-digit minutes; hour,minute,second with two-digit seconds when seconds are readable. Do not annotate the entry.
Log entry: 6,39
